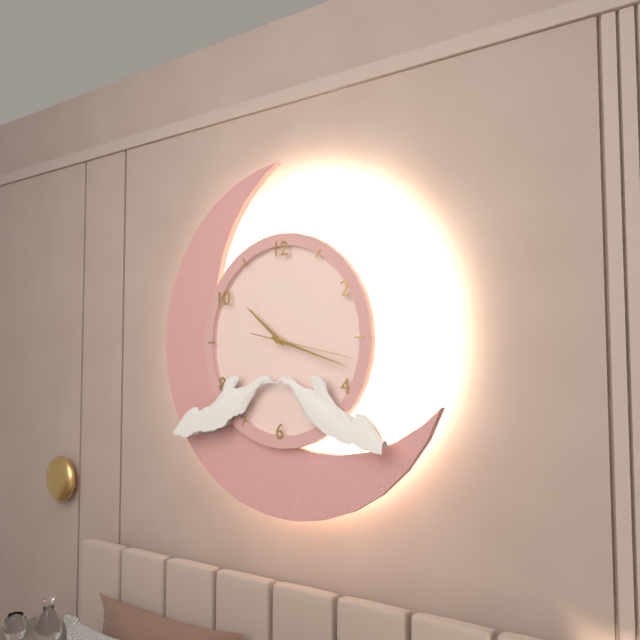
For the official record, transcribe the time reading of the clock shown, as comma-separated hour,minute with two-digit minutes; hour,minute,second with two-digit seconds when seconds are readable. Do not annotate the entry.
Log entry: 10,18,17
